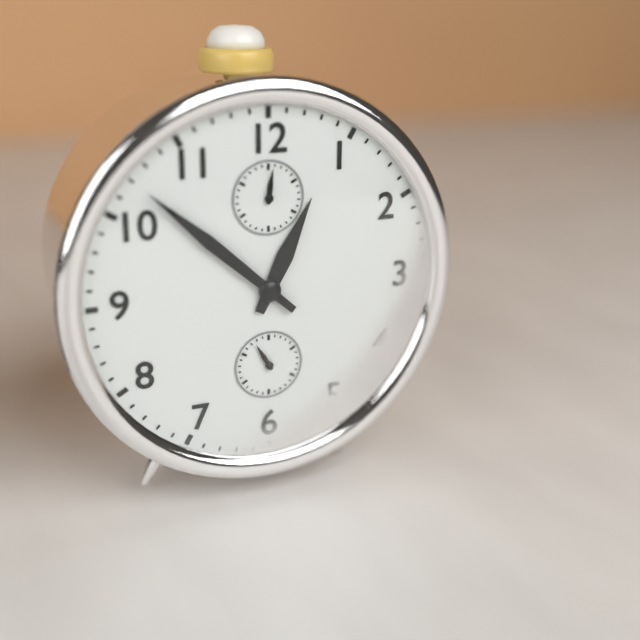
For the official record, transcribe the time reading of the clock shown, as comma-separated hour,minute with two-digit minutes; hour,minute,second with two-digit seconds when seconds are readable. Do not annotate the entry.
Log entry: 12,52
